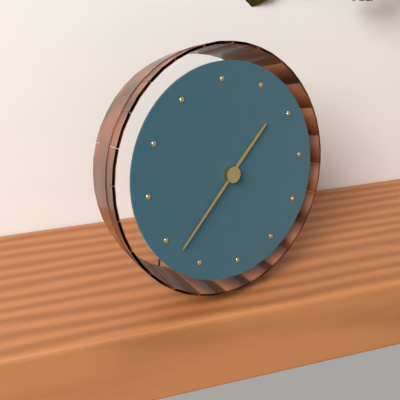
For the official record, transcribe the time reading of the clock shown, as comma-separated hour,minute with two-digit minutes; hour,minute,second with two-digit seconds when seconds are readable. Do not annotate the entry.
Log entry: 1,38
